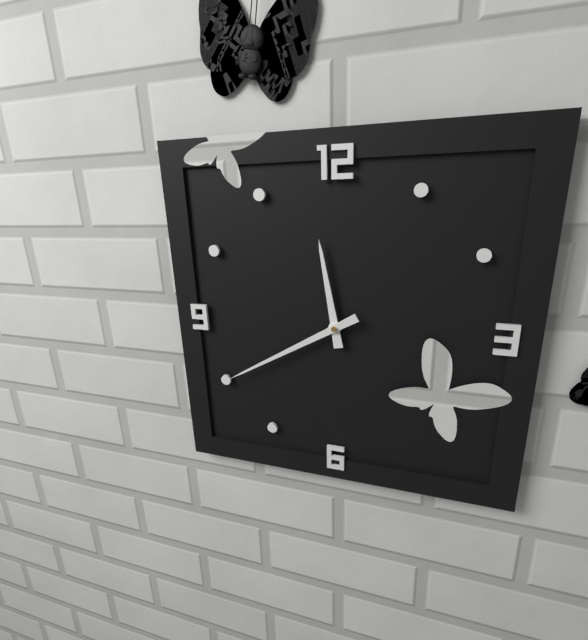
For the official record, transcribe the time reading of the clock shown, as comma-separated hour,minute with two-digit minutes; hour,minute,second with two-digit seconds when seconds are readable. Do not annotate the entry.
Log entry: 11,40
